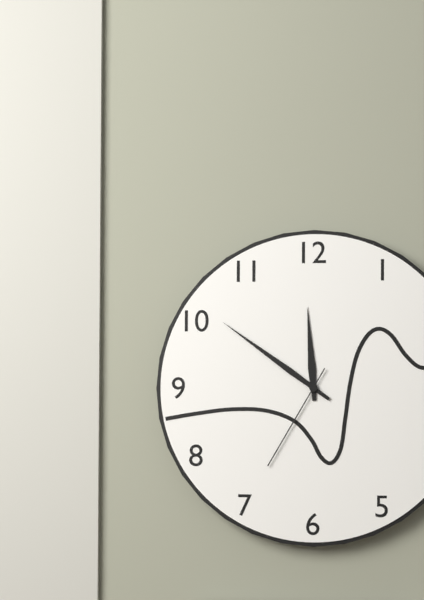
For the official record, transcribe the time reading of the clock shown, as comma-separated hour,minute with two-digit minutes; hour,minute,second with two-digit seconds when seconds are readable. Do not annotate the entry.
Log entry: 11,51,35
